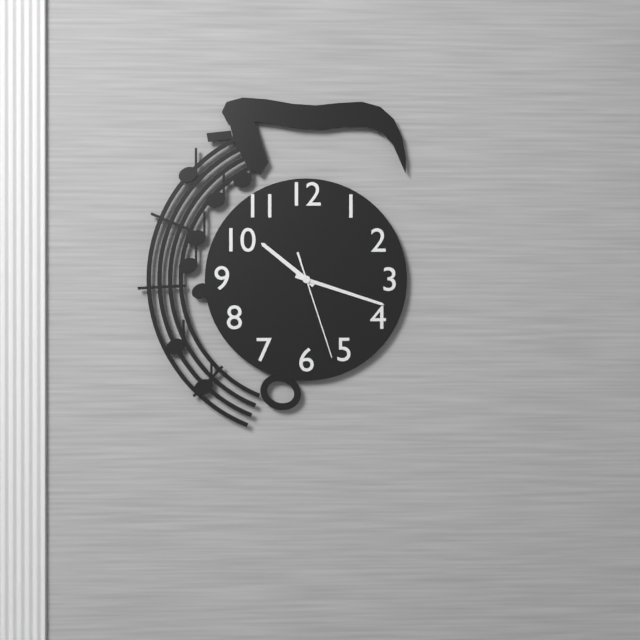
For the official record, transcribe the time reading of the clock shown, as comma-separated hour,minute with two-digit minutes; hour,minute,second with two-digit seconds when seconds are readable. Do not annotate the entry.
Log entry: 10,18,27
